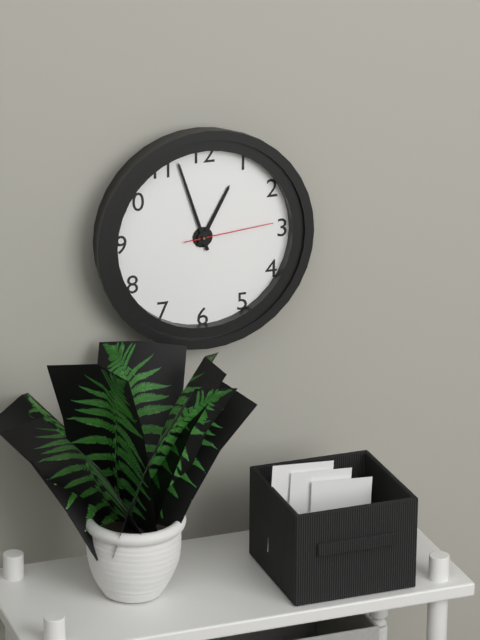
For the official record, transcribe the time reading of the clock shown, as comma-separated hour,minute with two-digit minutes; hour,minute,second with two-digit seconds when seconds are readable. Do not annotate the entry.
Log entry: 12,57,14
